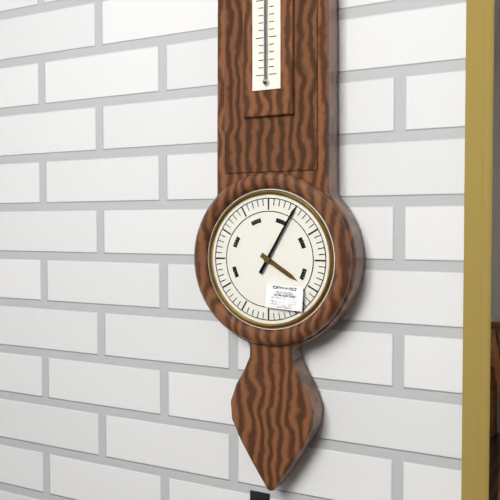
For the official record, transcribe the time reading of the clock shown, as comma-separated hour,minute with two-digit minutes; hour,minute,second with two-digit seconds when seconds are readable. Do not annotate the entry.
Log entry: 4,05
